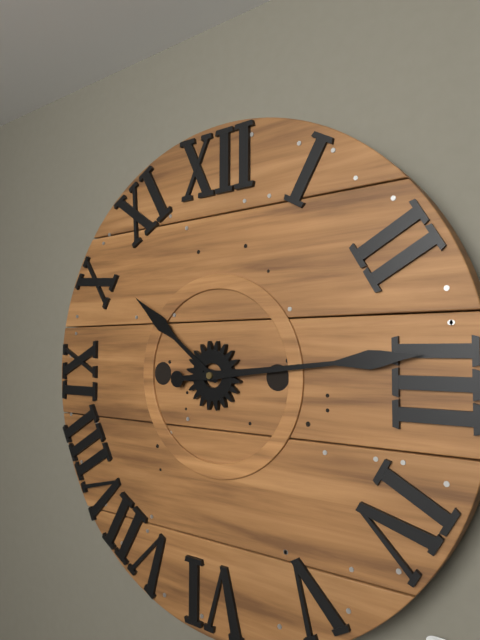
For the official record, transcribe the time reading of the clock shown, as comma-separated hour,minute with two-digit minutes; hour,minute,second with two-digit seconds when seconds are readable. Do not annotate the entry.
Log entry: 10,14
